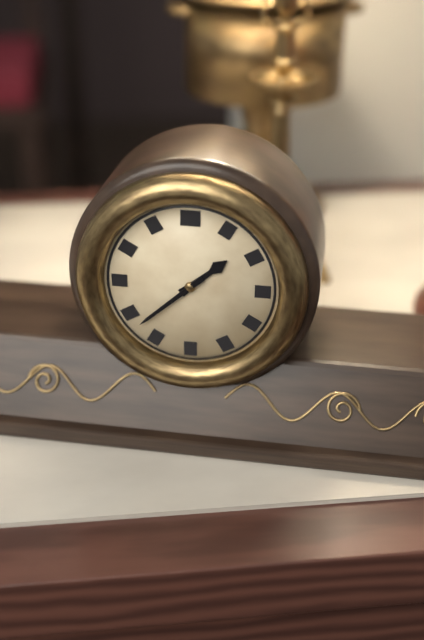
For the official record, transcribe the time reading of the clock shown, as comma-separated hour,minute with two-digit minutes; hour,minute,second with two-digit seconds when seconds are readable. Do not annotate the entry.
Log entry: 1,38
